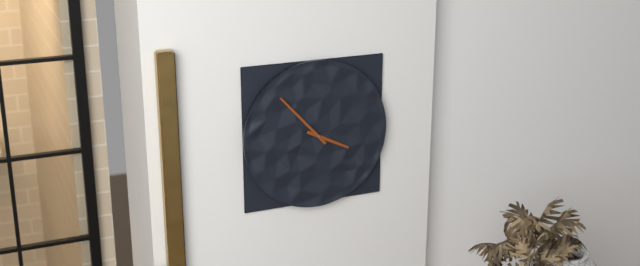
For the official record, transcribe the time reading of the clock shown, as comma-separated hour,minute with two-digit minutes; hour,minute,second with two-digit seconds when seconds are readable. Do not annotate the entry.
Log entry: 3,53
